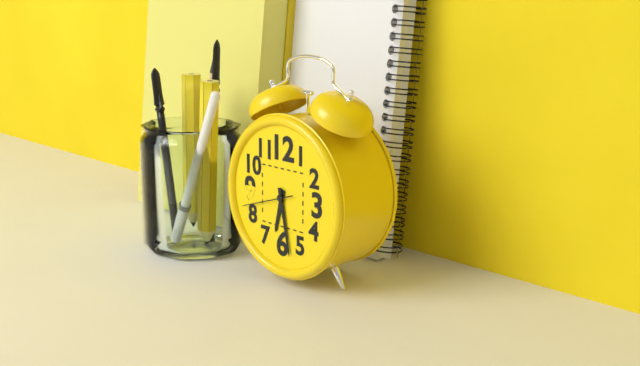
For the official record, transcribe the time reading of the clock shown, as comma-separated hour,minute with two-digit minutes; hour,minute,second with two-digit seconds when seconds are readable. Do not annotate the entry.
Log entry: 6,28,42
